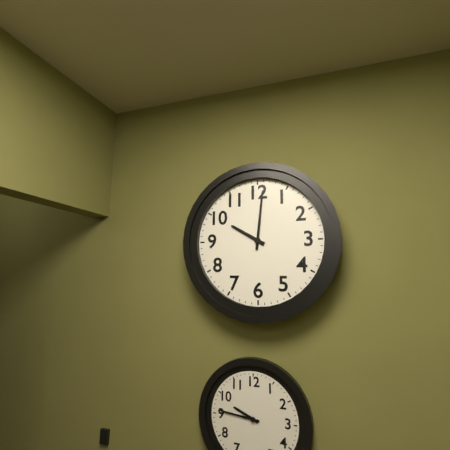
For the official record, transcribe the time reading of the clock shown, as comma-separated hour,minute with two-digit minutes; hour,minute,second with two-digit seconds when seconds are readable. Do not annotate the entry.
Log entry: 10,01
